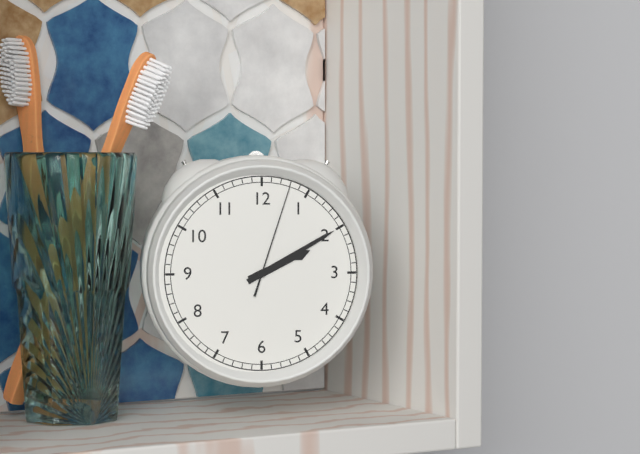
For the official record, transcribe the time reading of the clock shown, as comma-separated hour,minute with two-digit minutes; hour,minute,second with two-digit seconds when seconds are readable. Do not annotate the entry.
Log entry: 2,10,03
